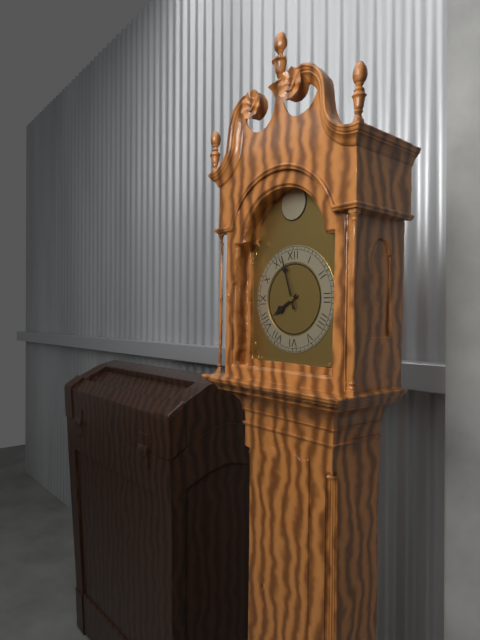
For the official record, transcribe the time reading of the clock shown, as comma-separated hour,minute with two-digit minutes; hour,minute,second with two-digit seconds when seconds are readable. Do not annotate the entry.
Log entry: 7,57
